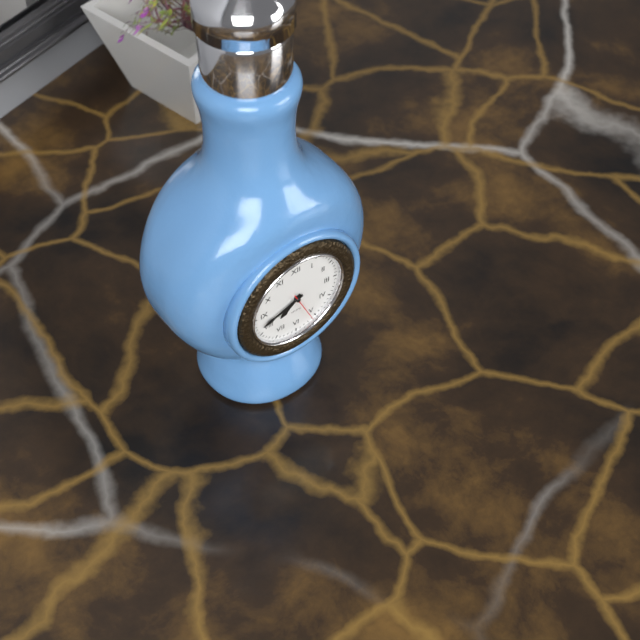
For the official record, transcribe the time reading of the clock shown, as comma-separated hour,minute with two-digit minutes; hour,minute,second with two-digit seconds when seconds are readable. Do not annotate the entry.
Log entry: 7,42
